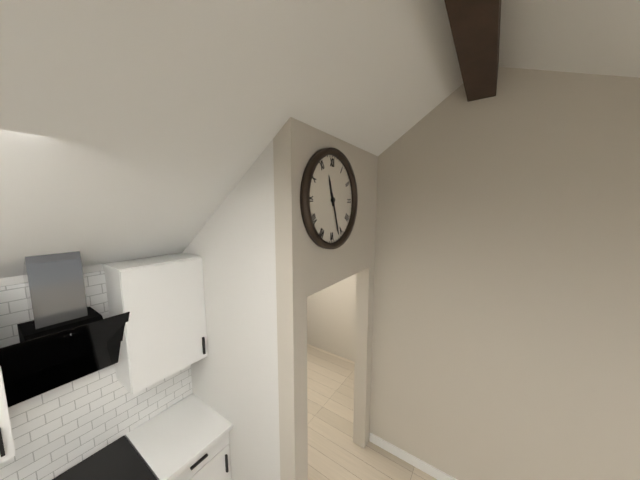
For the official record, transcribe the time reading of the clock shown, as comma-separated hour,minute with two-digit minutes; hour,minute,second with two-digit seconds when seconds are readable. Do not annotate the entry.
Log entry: 11,27
